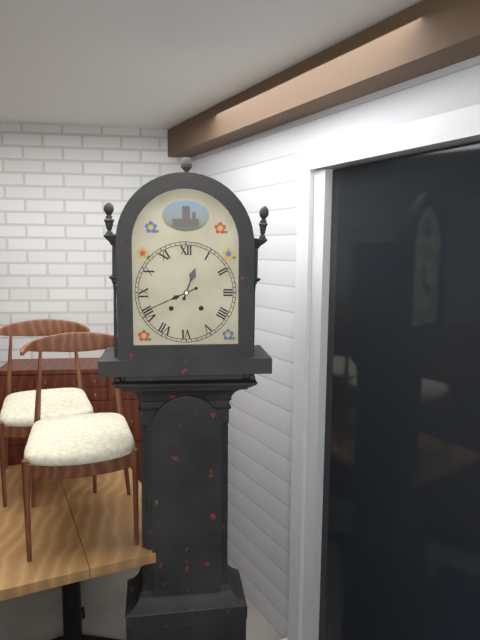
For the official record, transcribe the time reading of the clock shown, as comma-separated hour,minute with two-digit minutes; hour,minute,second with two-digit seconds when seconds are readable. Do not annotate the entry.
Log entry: 12,41
